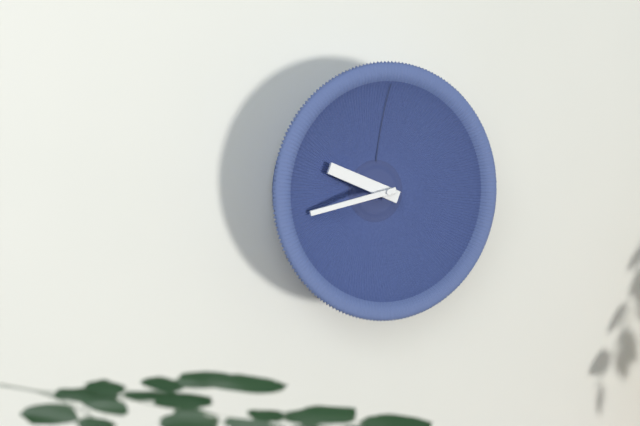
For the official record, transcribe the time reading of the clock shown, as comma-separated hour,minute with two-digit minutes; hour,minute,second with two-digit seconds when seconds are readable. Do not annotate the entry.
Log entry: 9,43
